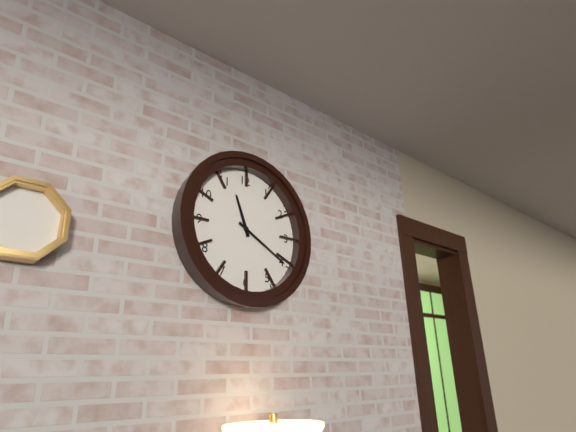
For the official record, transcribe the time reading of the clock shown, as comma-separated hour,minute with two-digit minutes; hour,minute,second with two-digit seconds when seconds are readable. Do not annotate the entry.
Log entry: 11,20
